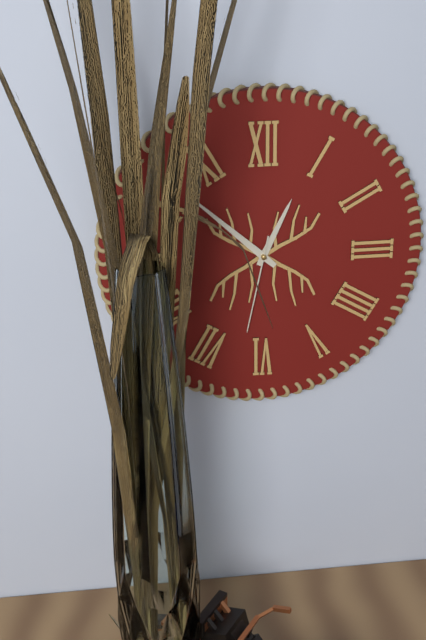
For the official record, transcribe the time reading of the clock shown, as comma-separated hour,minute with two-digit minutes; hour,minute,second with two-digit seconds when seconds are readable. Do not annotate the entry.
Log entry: 12,52,32
